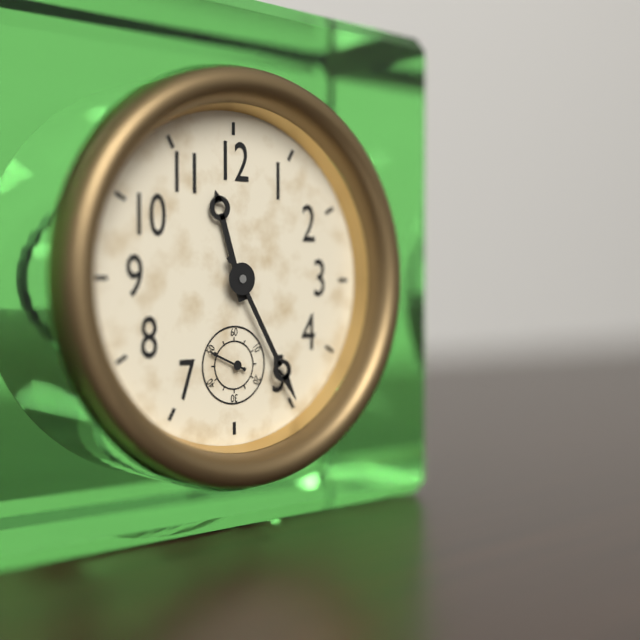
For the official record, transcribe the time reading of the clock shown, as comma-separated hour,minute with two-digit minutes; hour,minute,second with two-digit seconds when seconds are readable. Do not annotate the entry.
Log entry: 11,25
